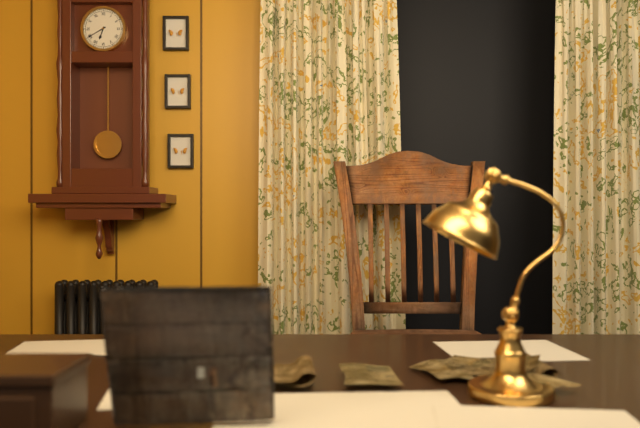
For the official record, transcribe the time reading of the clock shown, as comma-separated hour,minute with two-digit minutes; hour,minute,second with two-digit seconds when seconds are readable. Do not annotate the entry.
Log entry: 6,40
